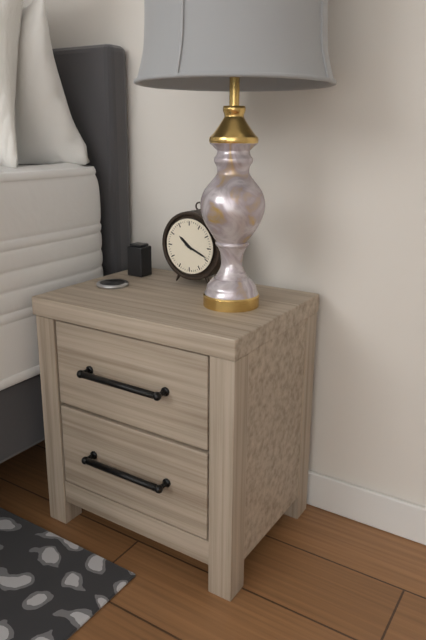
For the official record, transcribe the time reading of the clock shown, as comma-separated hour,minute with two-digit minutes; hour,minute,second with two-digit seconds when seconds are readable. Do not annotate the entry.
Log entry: 10,19
